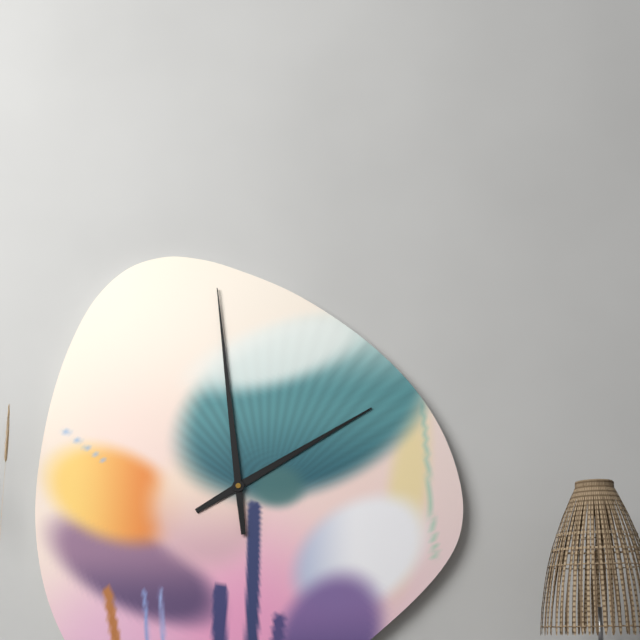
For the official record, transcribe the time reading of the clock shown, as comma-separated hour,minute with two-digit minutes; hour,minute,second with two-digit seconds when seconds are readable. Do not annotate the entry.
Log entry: 1,59
